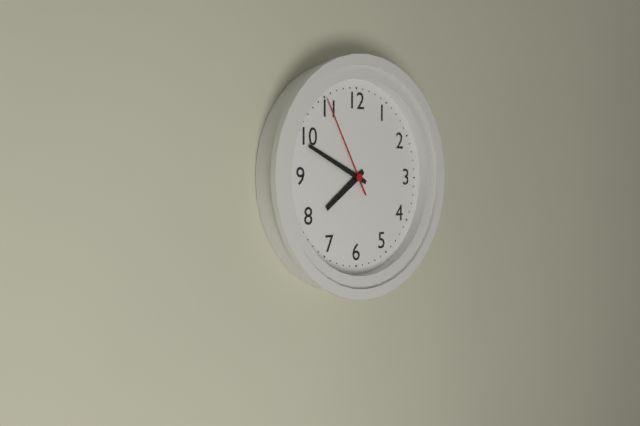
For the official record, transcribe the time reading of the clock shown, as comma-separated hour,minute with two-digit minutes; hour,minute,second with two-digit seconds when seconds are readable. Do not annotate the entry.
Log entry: 7,49,55
